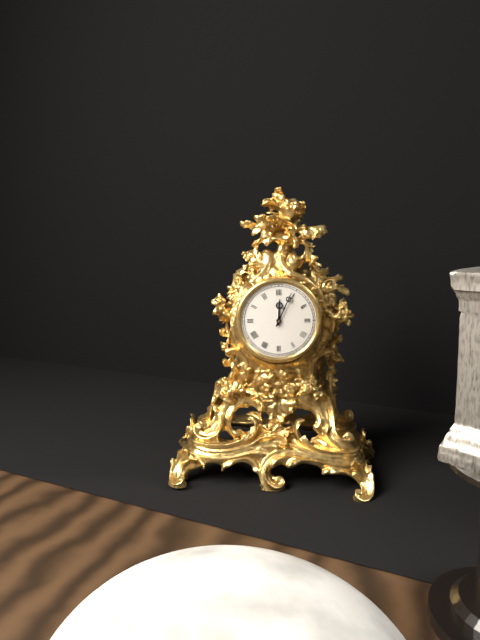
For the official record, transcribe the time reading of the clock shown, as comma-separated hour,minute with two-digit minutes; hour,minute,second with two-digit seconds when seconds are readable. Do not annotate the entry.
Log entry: 12,04
